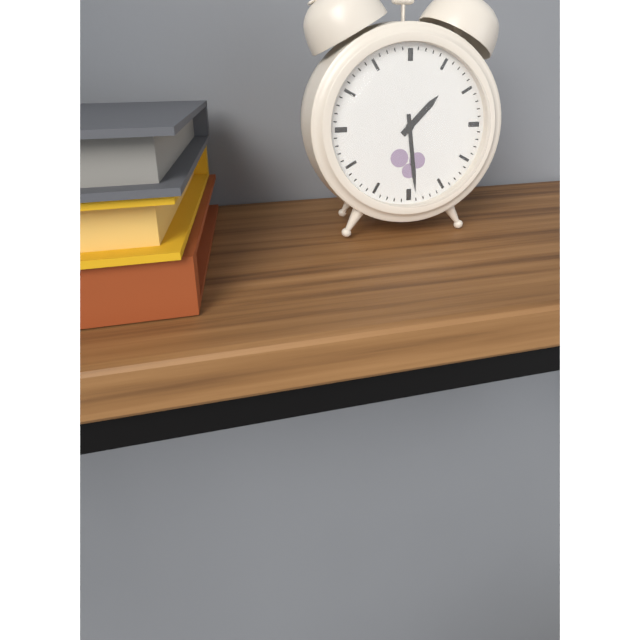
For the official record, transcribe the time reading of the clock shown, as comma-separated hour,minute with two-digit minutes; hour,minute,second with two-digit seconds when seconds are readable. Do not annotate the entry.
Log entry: 1,29
